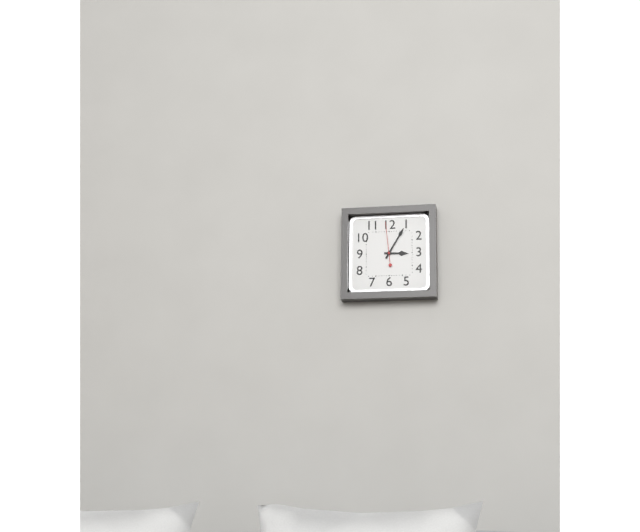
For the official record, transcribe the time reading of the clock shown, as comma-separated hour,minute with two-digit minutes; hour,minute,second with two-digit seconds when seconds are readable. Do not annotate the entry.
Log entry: 3,05
